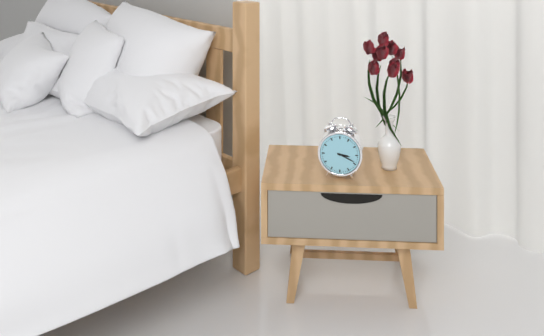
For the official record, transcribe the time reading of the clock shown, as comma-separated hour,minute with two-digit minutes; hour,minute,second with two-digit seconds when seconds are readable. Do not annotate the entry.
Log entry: 3,19
